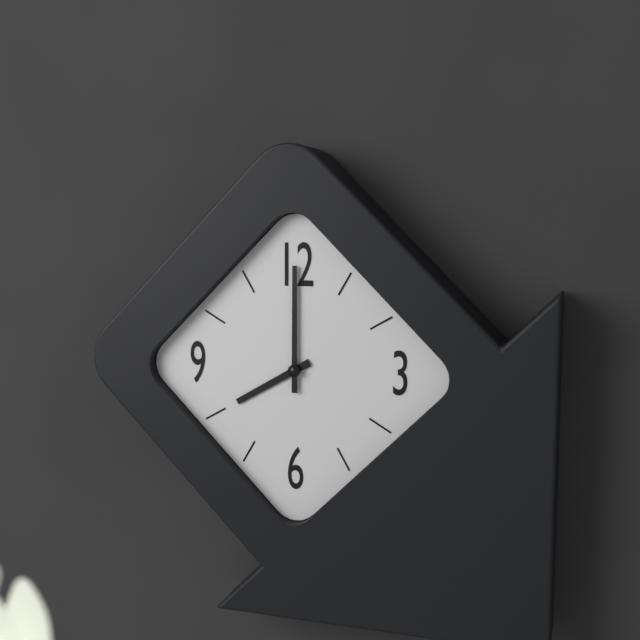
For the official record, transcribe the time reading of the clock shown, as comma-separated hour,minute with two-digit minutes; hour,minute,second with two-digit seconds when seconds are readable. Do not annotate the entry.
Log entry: 8,00
